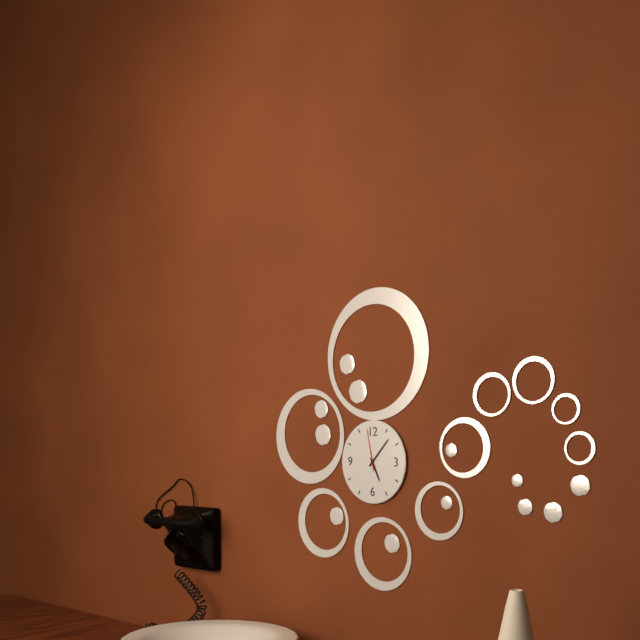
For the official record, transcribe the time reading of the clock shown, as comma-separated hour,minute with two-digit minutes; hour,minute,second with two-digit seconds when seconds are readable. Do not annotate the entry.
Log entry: 5,07
